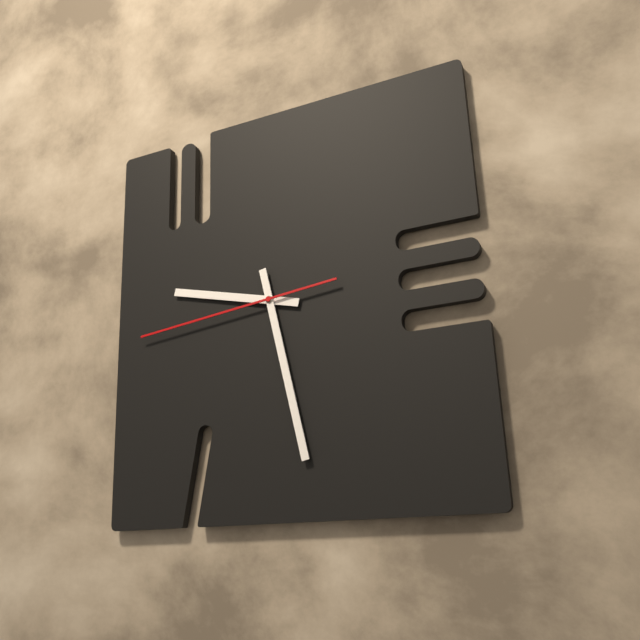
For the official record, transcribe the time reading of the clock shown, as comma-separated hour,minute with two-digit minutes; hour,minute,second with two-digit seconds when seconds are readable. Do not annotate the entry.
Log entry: 9,28,44
